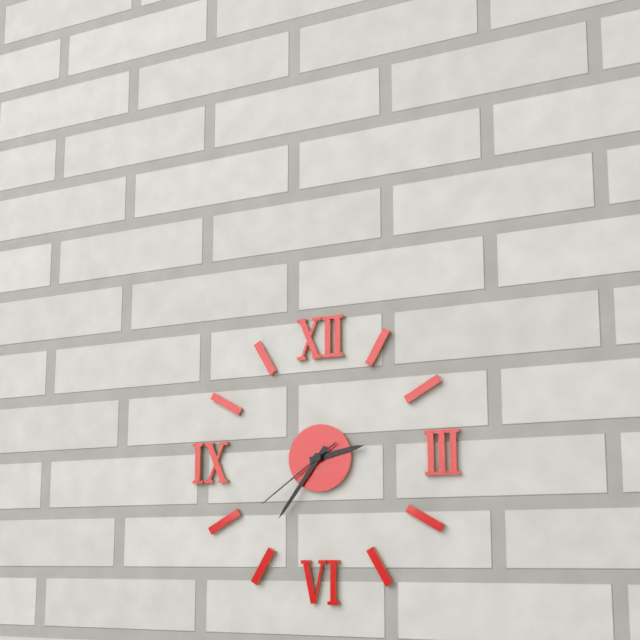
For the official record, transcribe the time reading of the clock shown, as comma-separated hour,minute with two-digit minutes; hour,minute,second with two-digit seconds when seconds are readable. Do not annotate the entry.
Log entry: 2,36,39
